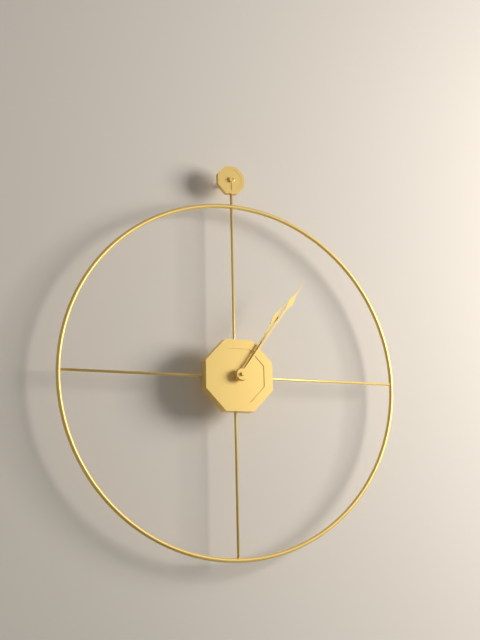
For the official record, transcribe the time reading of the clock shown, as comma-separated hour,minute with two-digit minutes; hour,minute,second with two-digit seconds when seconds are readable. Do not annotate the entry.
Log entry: 1,06
